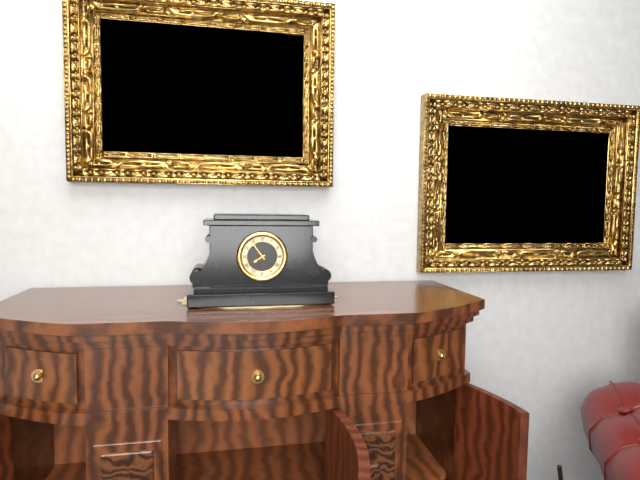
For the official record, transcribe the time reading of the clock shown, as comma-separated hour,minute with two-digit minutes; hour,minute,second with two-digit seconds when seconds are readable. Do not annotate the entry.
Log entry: 7,54
